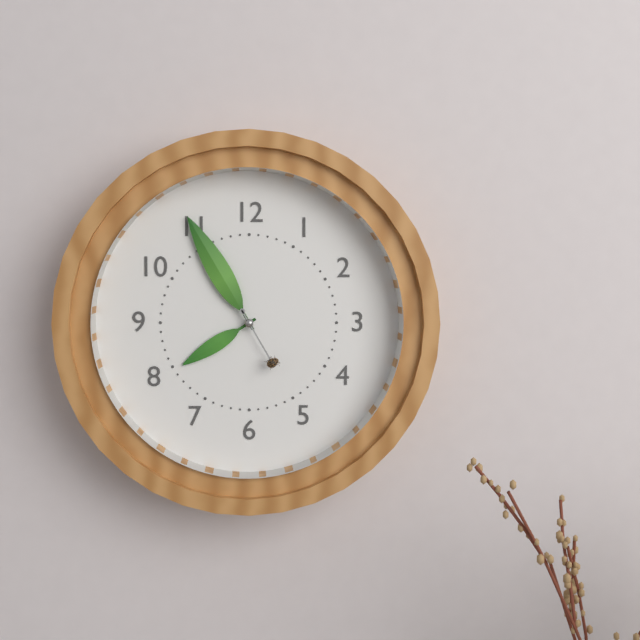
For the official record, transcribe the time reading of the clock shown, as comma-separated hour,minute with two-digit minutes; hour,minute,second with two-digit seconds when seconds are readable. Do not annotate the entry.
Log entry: 7,55,25
